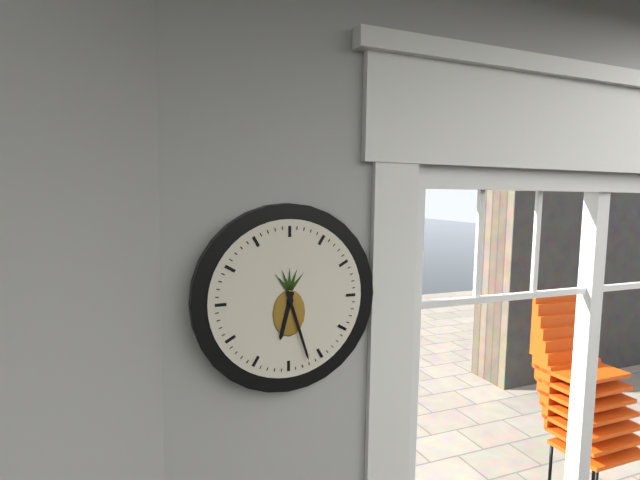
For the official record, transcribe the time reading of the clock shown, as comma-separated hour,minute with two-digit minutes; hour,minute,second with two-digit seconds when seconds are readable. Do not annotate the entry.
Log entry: 6,27
